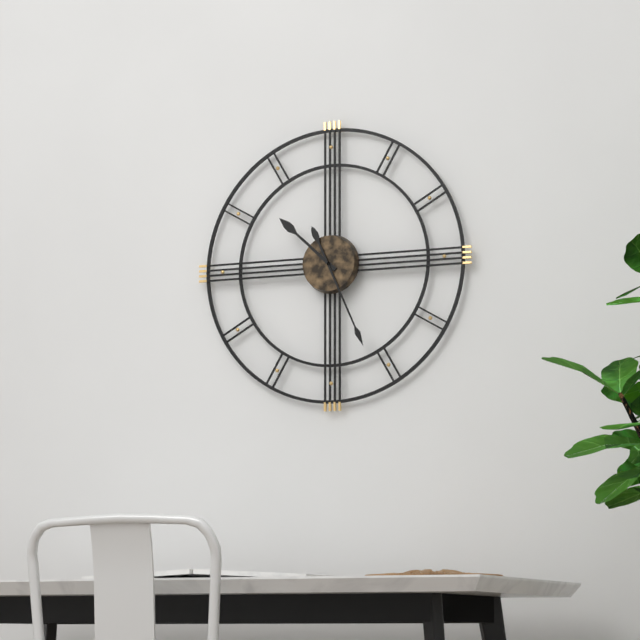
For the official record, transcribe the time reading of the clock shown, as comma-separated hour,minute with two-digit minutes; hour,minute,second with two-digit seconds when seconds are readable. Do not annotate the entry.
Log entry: 10,26
